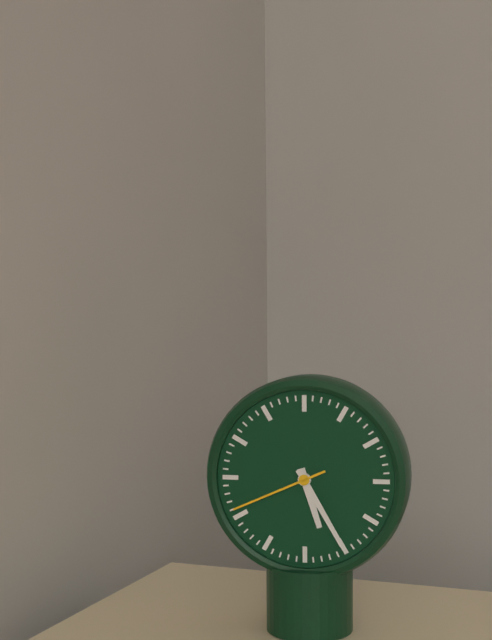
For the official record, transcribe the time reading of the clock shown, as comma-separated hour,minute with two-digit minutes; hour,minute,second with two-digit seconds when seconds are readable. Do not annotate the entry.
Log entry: 5,25,41
